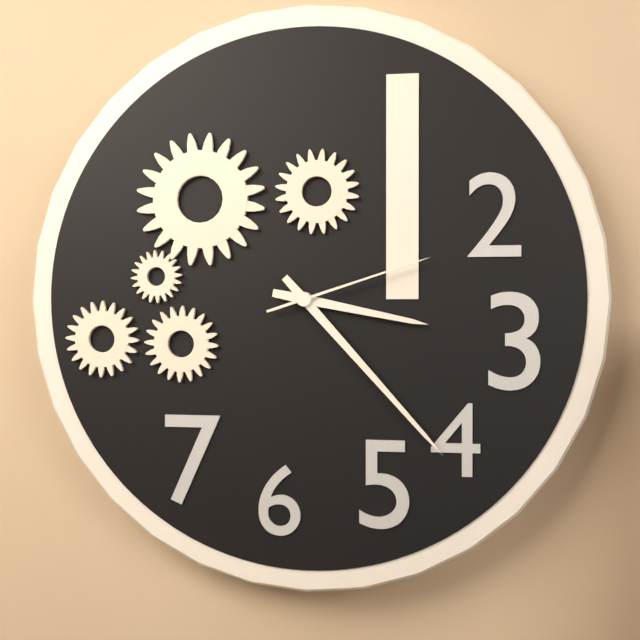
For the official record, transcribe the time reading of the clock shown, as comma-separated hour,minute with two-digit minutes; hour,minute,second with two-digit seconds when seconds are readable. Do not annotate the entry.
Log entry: 3,23,12
